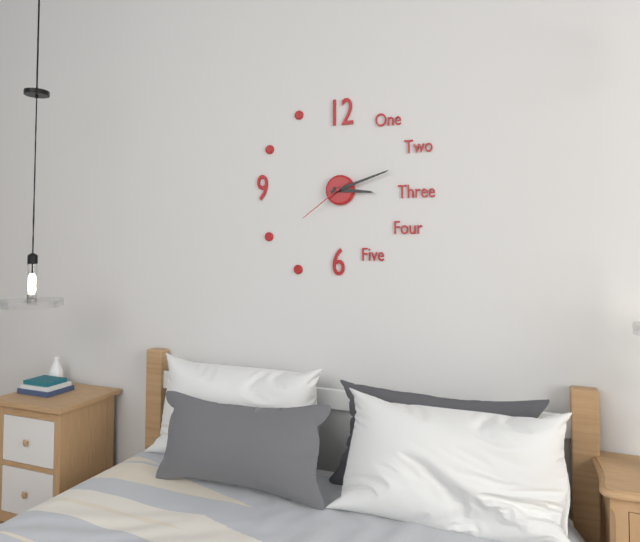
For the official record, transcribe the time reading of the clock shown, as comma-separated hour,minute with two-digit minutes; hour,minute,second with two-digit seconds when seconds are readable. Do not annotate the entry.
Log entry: 3,12,39
